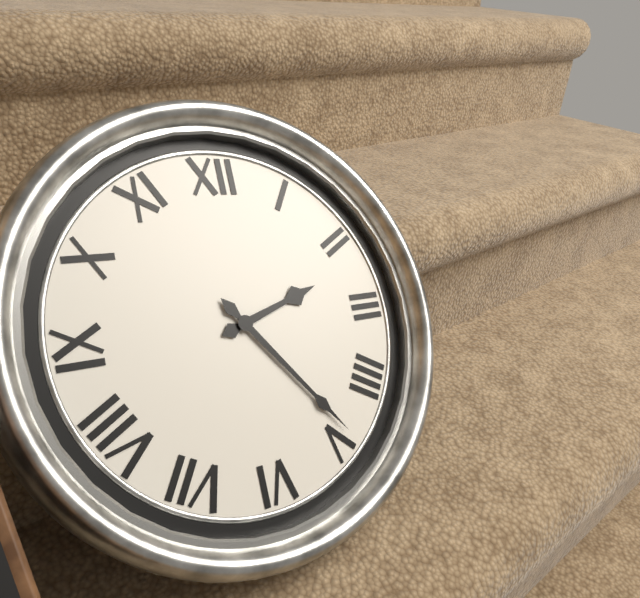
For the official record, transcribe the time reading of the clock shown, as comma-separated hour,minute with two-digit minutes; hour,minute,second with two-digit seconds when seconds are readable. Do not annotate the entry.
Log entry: 2,24
